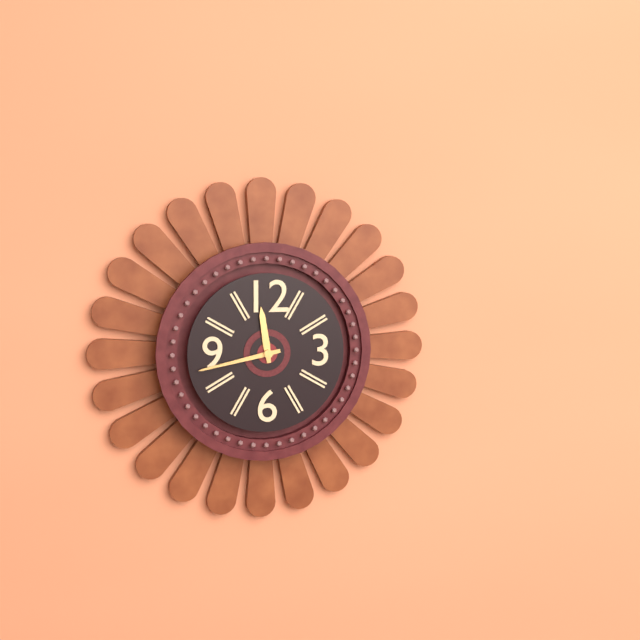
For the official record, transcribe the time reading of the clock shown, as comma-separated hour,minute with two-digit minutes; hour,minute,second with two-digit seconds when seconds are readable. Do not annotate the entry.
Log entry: 11,43
